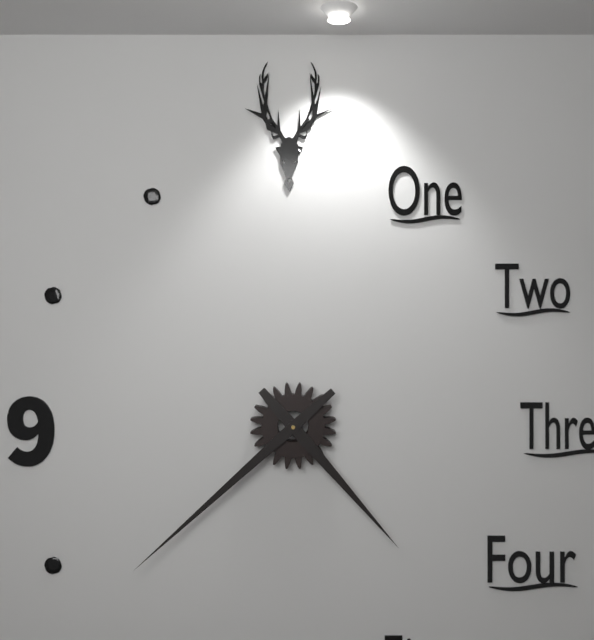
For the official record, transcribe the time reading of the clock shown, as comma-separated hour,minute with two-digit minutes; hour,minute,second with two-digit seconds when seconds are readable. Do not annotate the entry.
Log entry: 4,38
